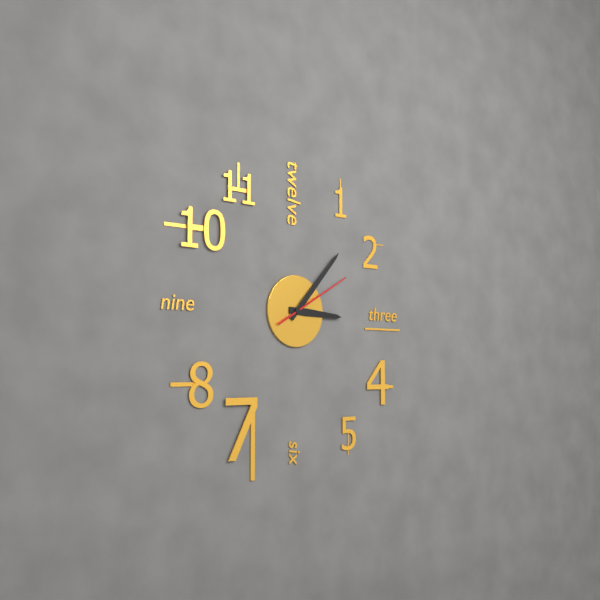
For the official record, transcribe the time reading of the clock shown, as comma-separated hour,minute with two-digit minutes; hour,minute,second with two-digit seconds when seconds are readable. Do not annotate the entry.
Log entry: 3,07,10
